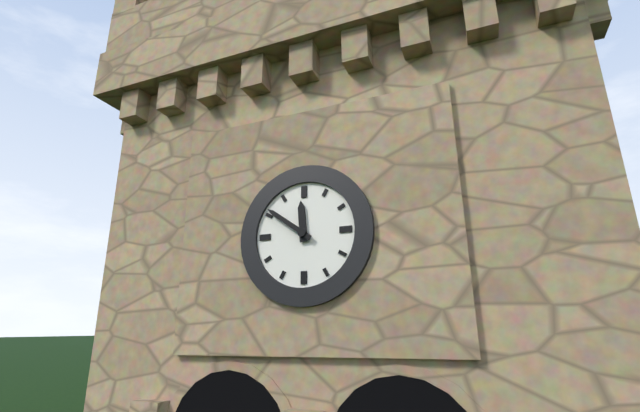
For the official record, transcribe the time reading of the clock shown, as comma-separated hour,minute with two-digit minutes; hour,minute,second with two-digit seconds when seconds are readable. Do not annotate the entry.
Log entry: 11,51
